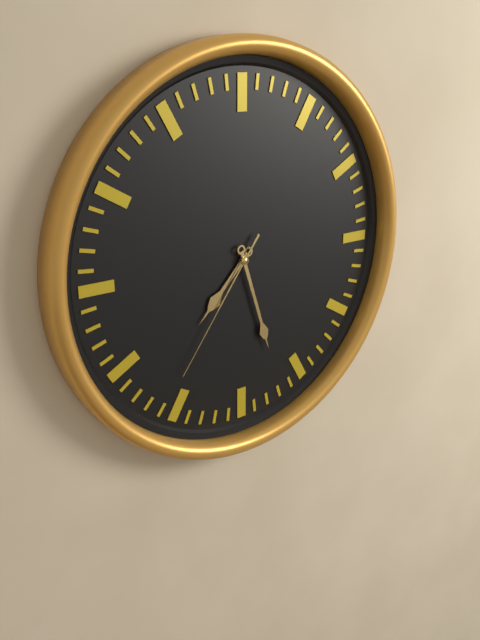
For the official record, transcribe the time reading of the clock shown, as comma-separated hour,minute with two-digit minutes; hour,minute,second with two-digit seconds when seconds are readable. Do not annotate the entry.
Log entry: 7,27,36
